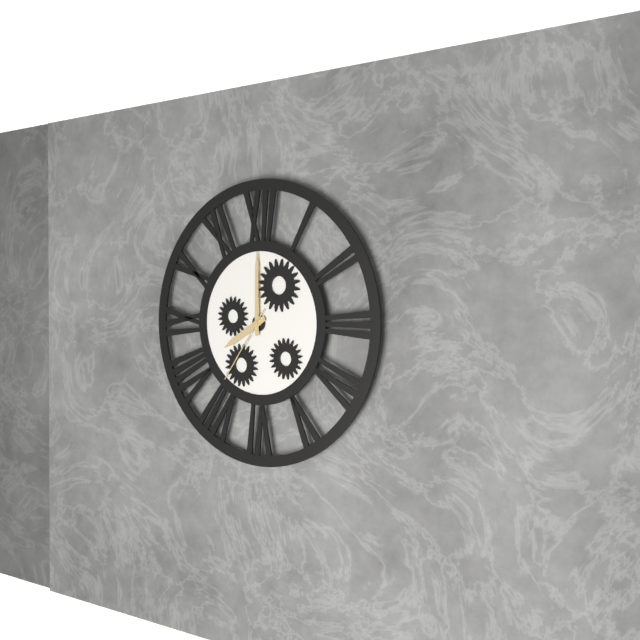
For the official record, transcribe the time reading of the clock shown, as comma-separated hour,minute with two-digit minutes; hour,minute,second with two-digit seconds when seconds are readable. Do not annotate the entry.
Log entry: 8,00,36
